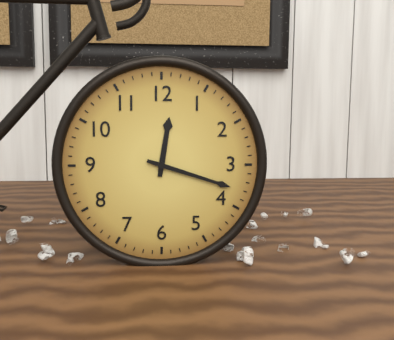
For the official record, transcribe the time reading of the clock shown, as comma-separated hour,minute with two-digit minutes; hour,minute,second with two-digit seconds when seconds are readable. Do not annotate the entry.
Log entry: 12,18
